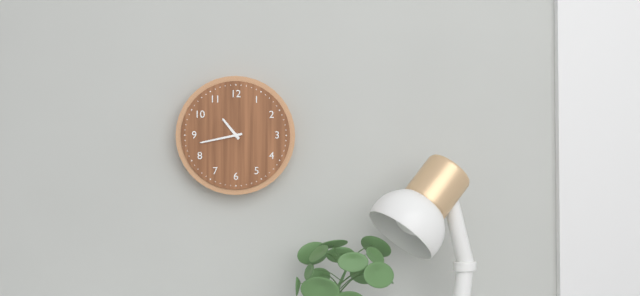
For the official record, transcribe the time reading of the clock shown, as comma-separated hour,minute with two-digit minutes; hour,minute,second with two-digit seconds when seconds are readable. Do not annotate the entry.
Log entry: 10,43
